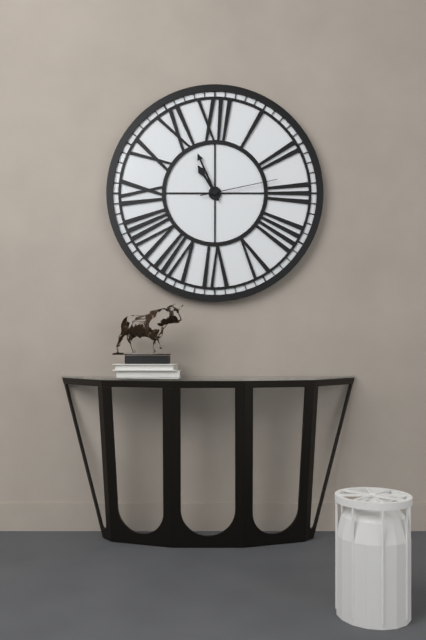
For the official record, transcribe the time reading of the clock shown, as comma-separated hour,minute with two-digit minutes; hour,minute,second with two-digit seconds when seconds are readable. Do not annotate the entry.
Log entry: 10,56,13
